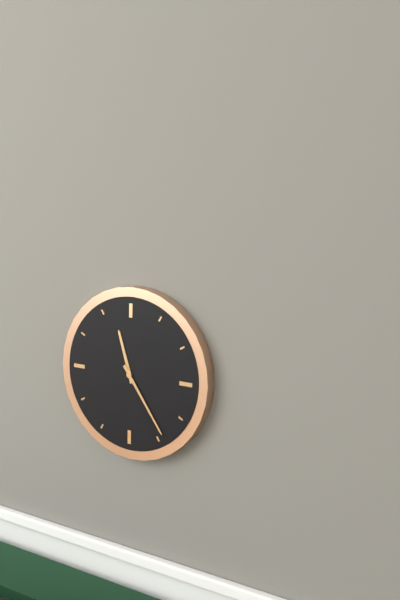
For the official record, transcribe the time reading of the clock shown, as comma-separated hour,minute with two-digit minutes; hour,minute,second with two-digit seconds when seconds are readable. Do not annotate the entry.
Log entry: 11,24
